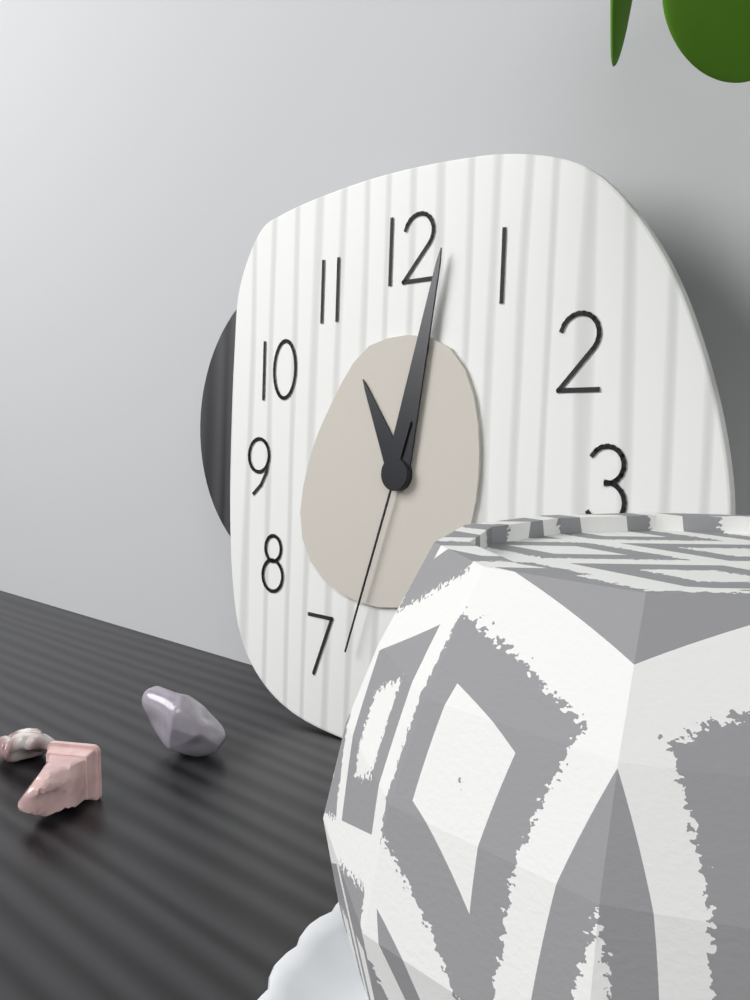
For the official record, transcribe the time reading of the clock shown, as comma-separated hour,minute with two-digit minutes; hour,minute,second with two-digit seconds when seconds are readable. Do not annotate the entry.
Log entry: 11,02,33
